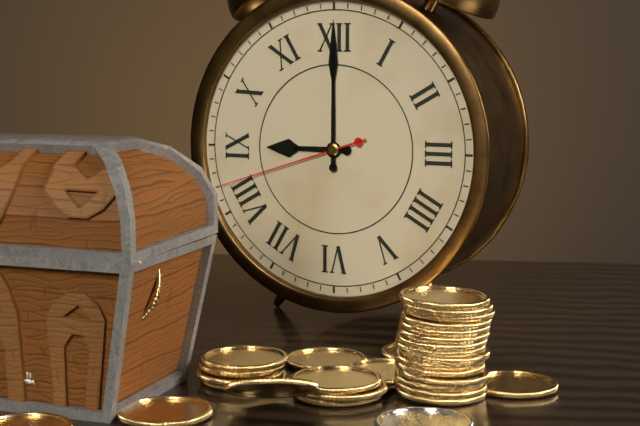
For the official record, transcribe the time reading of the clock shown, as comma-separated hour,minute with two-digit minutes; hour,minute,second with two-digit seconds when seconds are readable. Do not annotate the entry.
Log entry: 9,00,42
